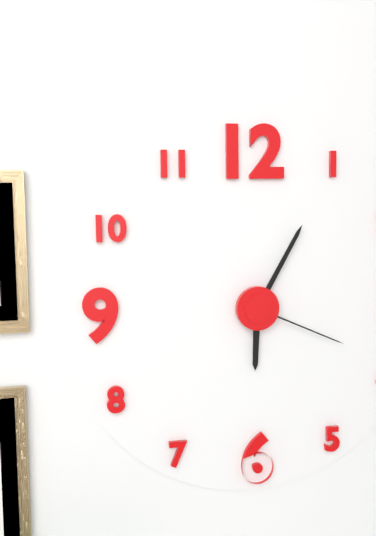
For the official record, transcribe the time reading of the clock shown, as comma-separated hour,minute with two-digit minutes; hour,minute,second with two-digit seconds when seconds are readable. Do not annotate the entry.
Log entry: 6,05,19
